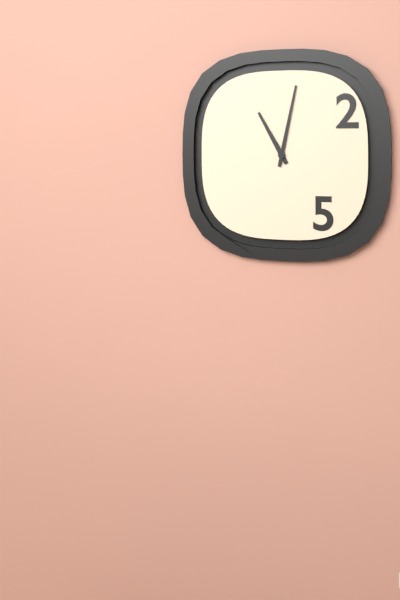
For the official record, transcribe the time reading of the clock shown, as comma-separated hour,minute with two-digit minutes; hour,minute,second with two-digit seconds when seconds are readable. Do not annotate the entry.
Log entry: 11,02
